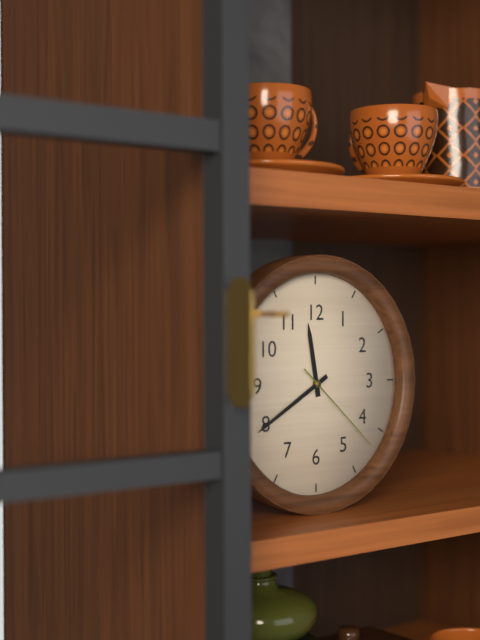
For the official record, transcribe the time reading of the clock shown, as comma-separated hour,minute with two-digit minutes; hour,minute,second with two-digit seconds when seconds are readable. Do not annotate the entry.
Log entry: 11,40,22
